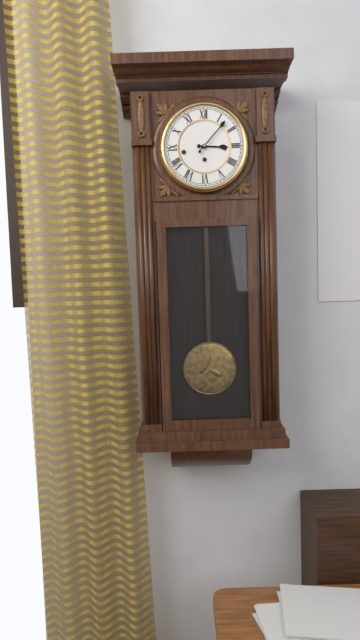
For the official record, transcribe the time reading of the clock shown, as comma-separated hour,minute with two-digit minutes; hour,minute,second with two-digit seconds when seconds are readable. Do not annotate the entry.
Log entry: 3,07
